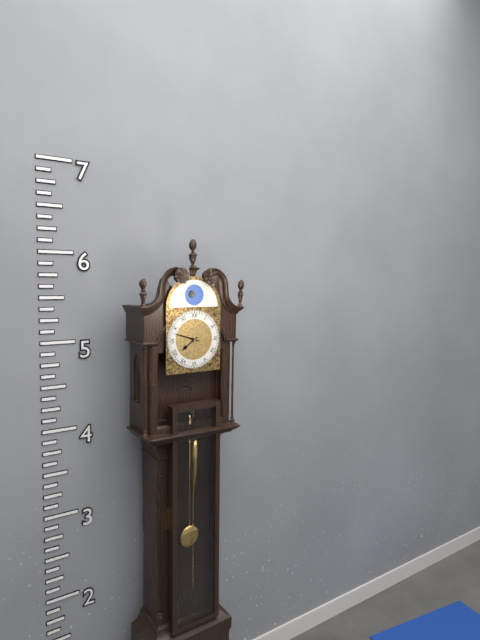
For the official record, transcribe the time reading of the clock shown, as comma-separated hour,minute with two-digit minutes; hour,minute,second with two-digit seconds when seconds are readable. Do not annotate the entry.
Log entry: 7,48
